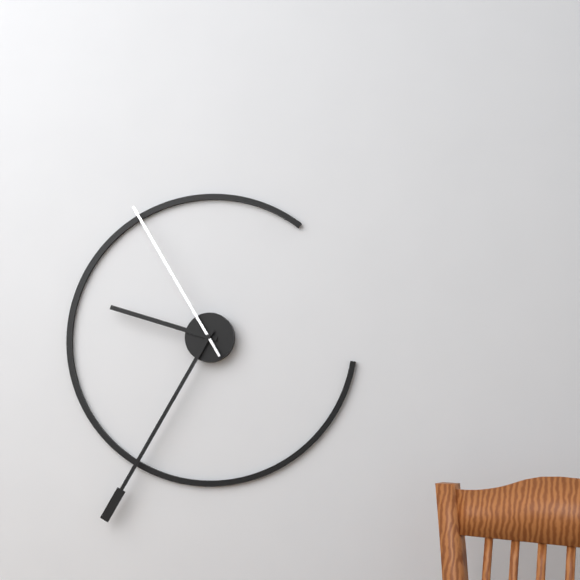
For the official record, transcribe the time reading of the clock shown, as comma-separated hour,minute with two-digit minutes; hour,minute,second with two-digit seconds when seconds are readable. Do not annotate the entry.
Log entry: 9,35,55
